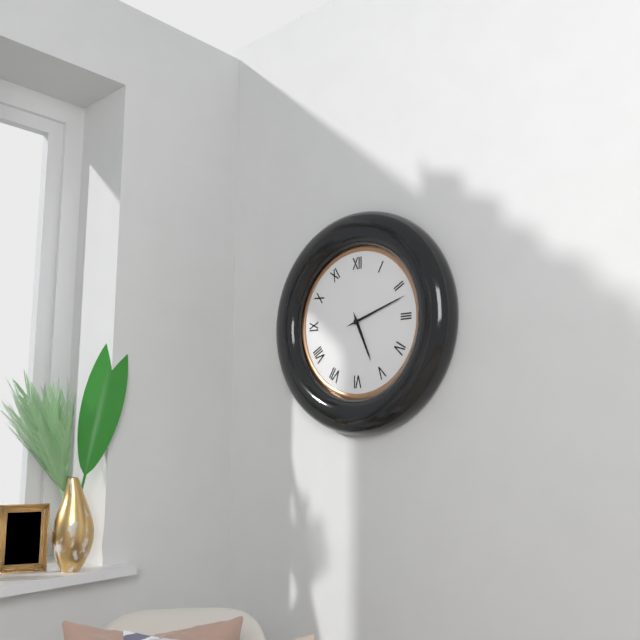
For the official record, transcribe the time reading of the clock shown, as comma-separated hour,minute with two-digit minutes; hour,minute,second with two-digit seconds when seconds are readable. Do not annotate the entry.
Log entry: 5,12
